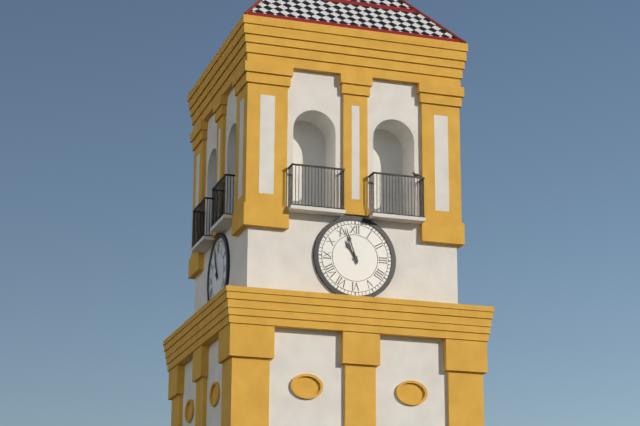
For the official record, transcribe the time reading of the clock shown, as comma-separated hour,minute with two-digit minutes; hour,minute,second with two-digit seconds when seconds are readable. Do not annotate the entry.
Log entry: 10,57
